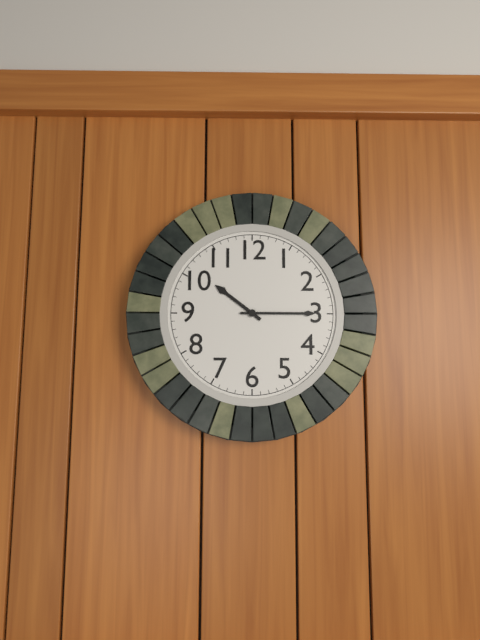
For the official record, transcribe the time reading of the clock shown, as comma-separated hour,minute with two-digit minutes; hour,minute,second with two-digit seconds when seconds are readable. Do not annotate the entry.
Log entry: 10,15
